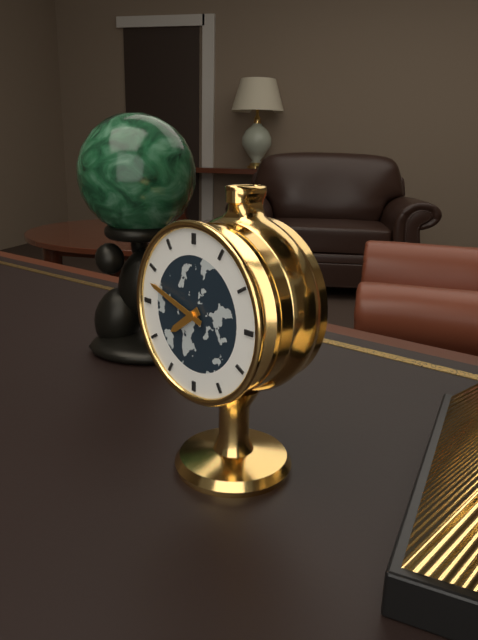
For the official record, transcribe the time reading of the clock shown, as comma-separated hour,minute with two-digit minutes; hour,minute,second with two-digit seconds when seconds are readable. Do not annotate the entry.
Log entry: 7,48
